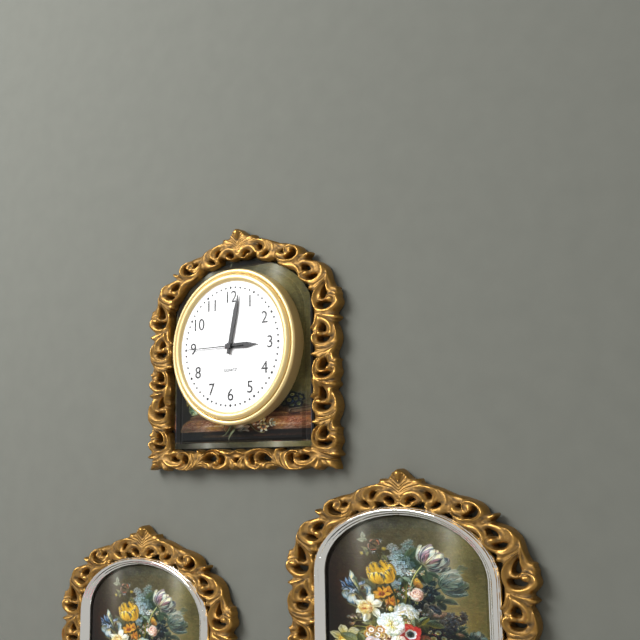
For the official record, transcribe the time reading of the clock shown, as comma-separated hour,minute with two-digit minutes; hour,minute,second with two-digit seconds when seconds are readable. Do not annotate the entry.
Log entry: 3,02,45
